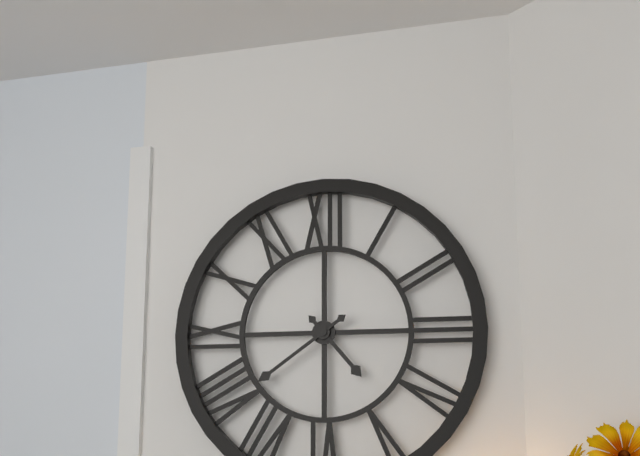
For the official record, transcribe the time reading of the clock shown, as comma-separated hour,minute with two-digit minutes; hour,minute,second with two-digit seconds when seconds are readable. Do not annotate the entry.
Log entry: 4,39
